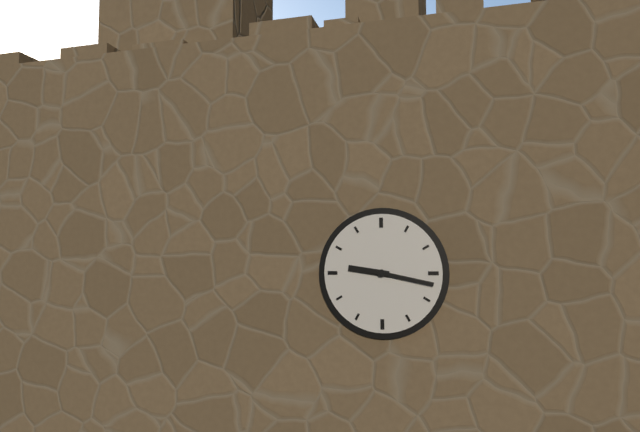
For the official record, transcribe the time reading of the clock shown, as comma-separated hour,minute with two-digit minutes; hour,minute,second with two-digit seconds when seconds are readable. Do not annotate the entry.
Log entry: 9,17
